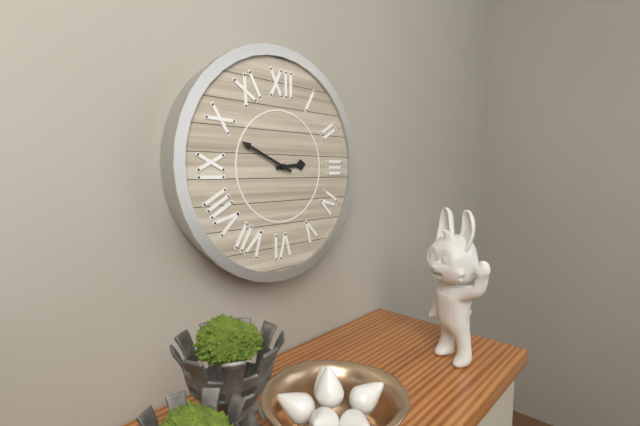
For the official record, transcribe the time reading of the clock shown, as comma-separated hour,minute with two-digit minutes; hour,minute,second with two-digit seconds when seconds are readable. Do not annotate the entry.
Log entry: 2,49
